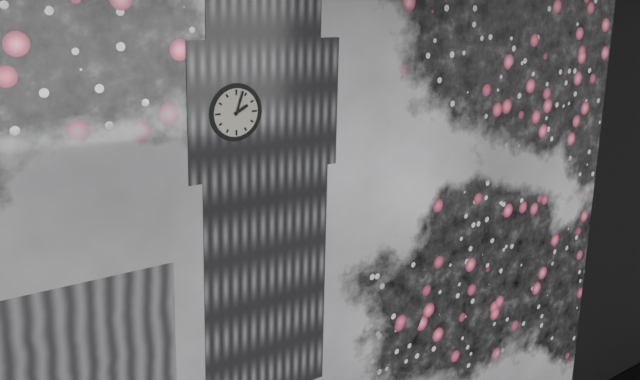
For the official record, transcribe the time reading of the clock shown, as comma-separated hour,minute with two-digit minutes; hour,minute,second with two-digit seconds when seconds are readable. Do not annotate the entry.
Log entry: 2,03
